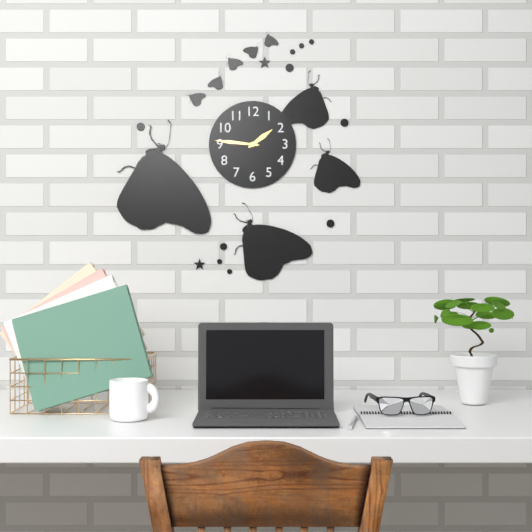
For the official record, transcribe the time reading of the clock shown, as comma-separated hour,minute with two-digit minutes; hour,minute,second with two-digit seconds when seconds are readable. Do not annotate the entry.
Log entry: 1,46
